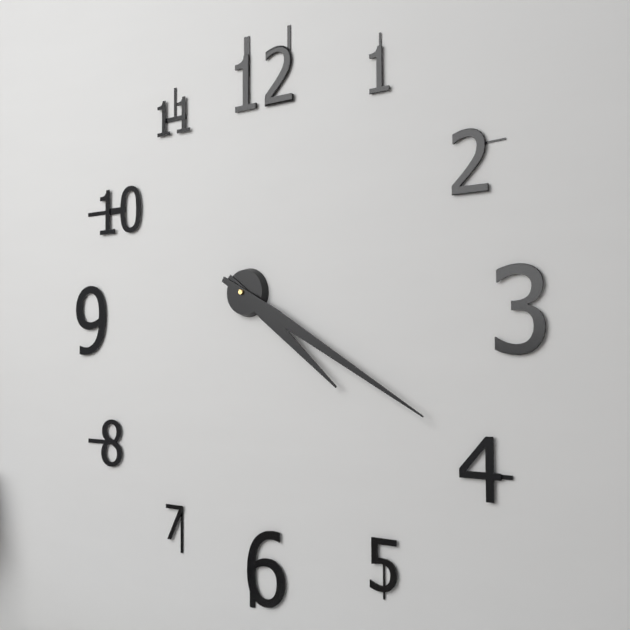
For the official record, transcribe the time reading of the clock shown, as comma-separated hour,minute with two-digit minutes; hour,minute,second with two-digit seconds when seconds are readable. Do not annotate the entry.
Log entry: 4,20
